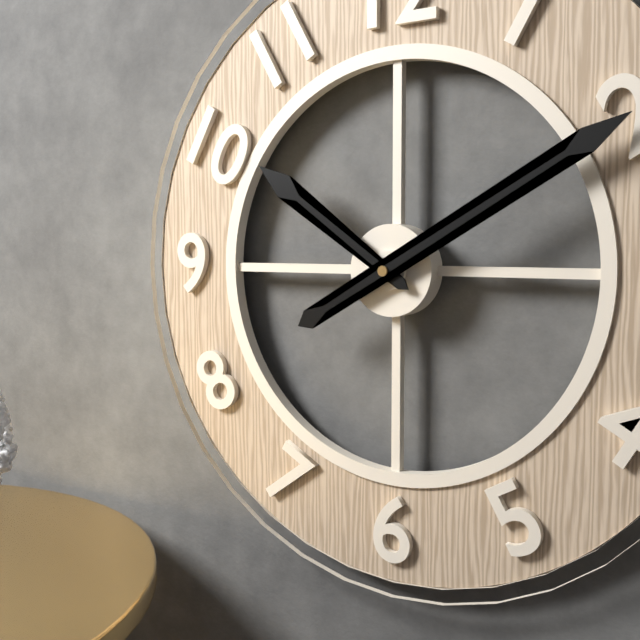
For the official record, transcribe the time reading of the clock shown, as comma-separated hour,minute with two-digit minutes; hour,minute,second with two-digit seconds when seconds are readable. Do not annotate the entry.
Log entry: 10,10
